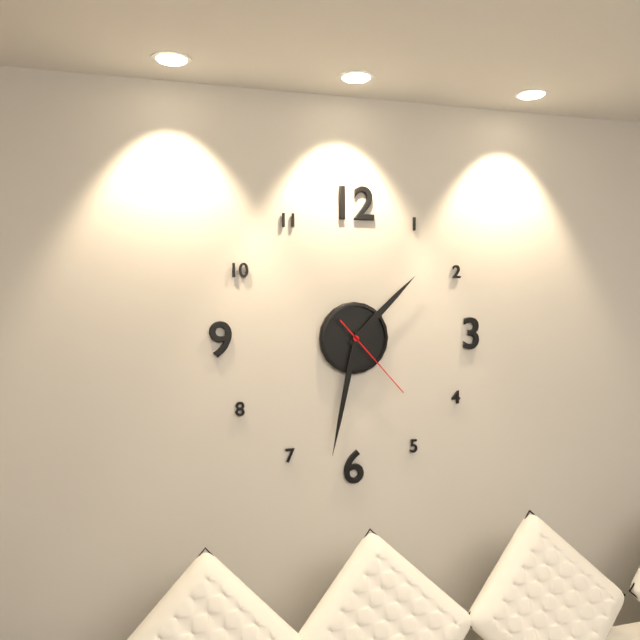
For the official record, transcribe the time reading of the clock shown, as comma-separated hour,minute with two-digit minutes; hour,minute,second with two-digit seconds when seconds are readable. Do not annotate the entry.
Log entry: 1,32,23
